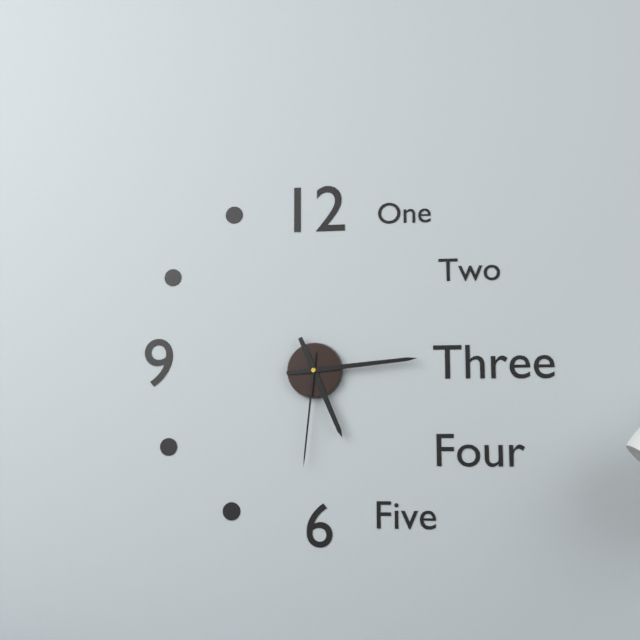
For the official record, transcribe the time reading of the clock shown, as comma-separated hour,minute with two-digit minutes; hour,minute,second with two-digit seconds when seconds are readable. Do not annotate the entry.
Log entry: 5,14,31
